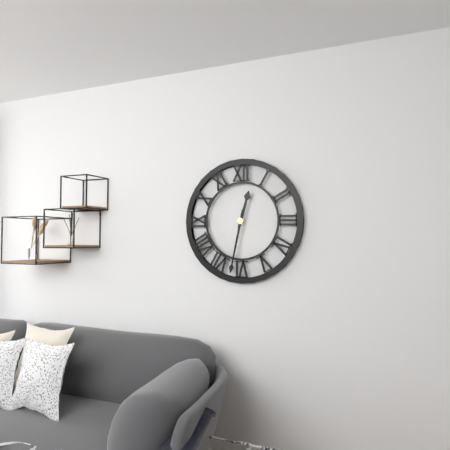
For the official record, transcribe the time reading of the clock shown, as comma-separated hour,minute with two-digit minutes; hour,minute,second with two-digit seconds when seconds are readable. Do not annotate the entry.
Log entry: 12,32
